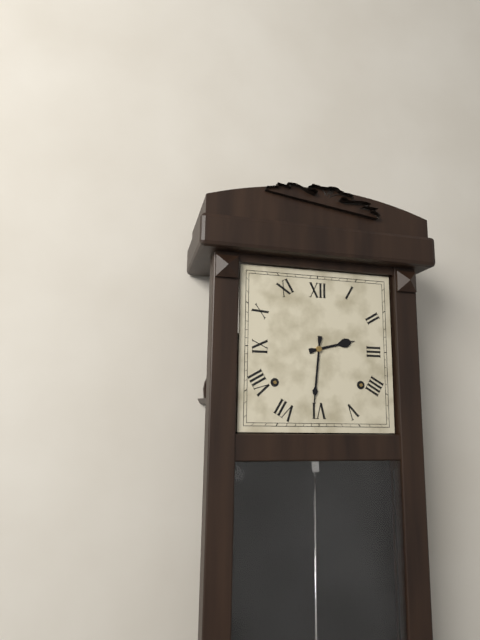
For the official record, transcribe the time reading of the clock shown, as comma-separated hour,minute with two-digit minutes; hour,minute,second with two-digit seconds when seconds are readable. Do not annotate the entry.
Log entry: 2,31
